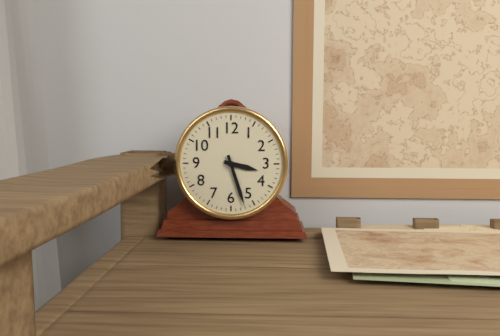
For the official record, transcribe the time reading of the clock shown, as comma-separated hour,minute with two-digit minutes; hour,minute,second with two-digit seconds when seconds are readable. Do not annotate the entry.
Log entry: 3,27
